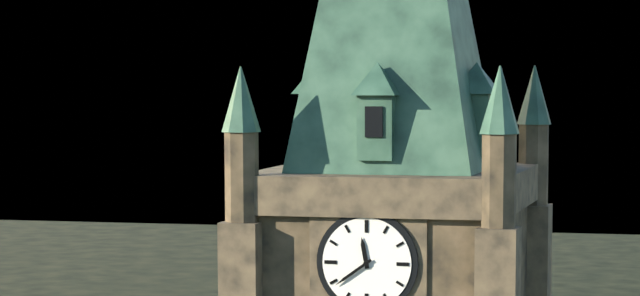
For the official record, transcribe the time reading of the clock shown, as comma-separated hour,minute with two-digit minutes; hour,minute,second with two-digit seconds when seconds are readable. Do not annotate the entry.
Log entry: 11,39
